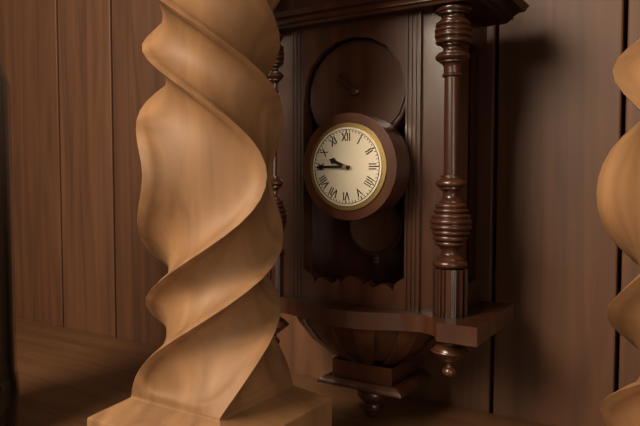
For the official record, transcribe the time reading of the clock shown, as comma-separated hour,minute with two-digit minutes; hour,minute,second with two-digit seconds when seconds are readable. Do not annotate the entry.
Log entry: 9,45
